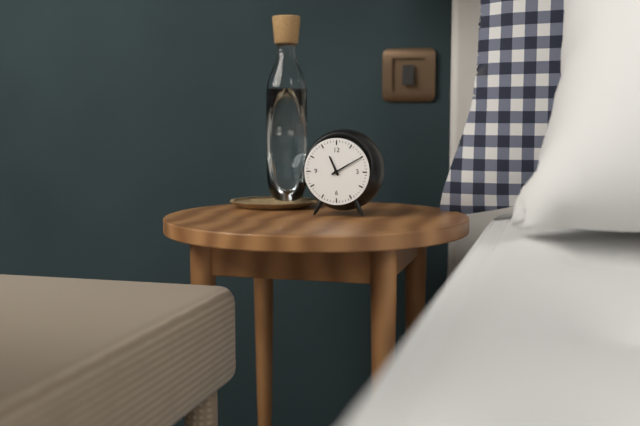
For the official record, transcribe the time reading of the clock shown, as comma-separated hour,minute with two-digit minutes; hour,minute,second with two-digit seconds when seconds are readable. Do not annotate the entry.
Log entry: 11,10
